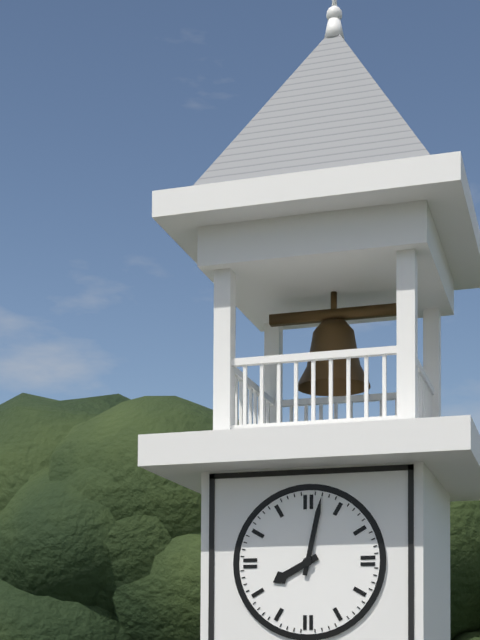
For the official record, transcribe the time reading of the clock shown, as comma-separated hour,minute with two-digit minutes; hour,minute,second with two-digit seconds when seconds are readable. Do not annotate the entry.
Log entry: 8,02
